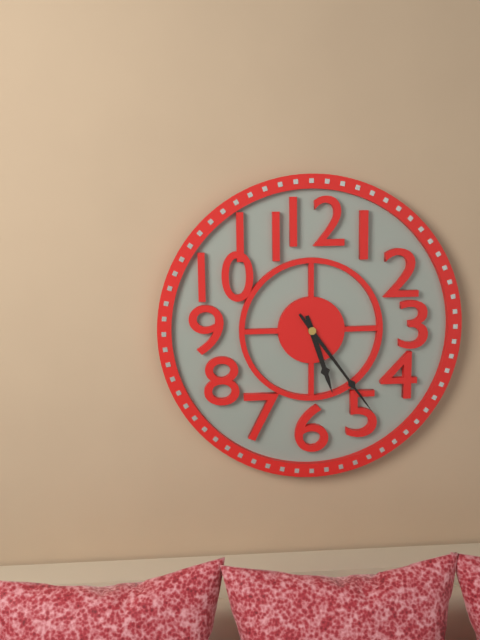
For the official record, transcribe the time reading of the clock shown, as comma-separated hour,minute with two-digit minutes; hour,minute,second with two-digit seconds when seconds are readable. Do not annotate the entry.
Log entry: 5,24
